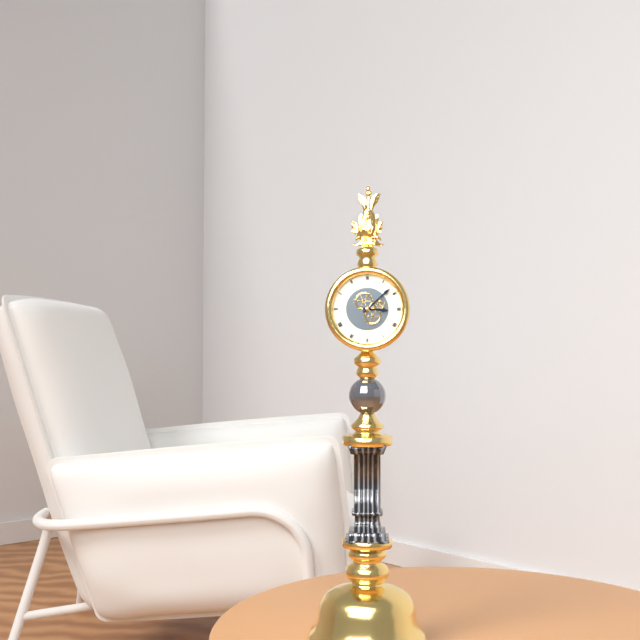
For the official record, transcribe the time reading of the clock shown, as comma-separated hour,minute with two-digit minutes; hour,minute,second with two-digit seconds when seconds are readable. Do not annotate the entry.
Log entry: 3,08
